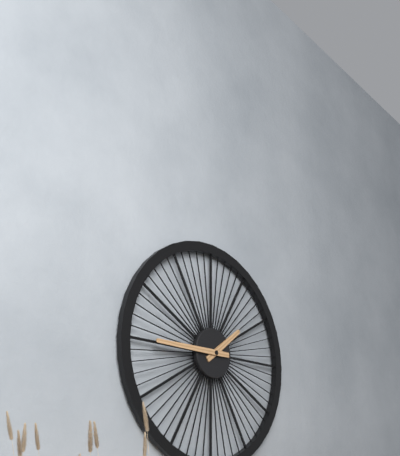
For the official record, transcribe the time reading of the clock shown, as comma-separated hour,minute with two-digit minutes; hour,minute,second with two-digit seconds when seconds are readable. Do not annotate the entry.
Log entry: 1,45
